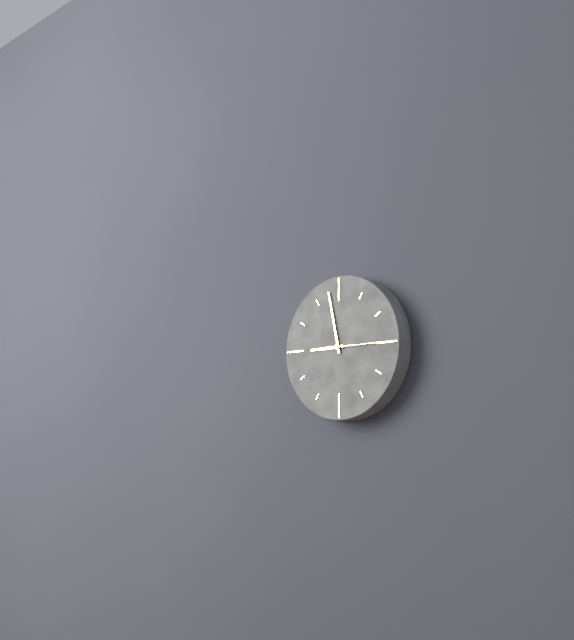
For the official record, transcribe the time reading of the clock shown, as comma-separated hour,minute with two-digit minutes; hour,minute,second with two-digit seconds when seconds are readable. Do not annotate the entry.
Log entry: 8,58
